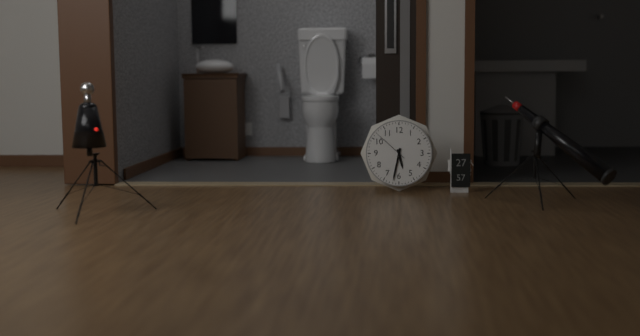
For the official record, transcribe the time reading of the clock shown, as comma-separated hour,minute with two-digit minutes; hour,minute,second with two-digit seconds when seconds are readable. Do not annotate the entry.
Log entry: 5,32
